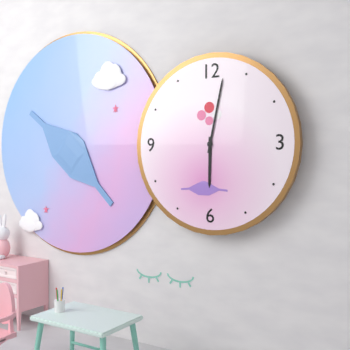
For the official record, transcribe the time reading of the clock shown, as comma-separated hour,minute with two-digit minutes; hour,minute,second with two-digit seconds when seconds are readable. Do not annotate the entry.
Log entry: 6,02
